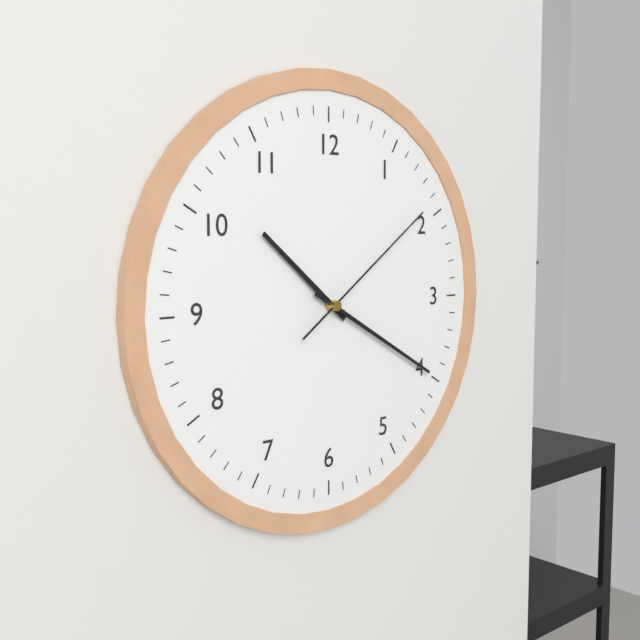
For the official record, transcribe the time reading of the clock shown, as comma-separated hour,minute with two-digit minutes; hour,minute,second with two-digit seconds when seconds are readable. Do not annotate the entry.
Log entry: 10,20,09
